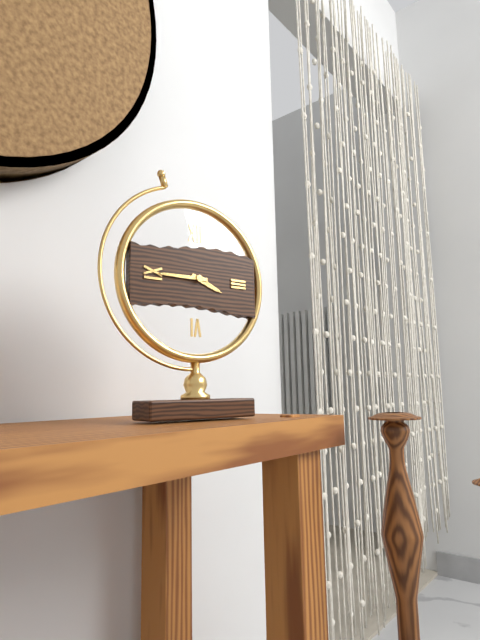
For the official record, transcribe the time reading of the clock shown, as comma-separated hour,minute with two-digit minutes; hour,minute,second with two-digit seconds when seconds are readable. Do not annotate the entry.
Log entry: 3,45
